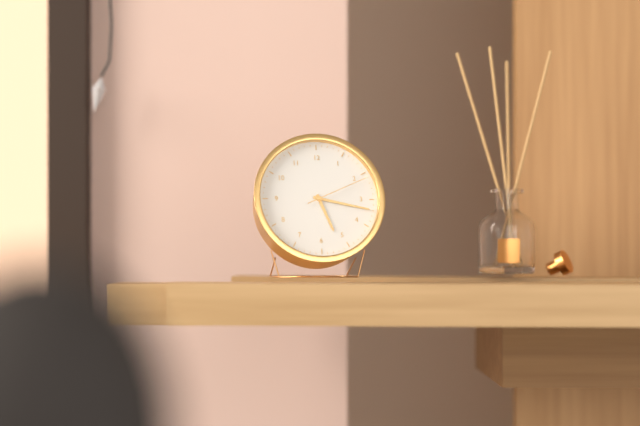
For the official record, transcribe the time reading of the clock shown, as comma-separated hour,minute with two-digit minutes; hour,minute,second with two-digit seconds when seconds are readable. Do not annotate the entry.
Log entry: 5,17,11
